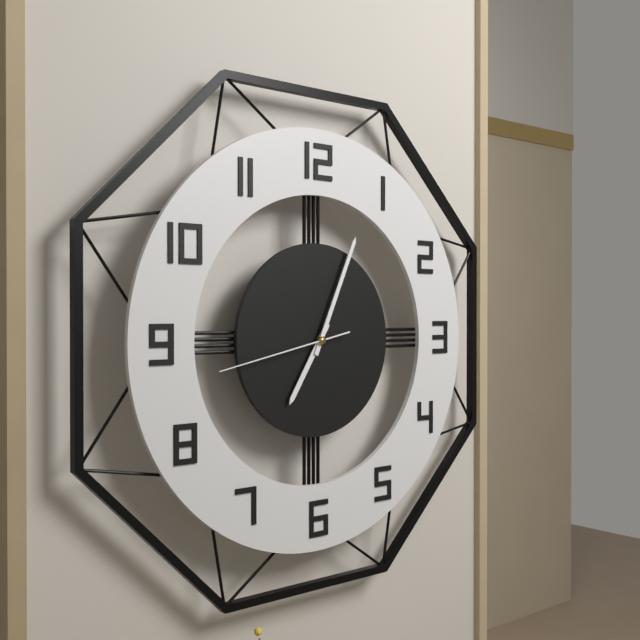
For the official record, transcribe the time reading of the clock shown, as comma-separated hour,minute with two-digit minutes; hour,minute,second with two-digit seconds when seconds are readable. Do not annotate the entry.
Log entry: 7,04,43
